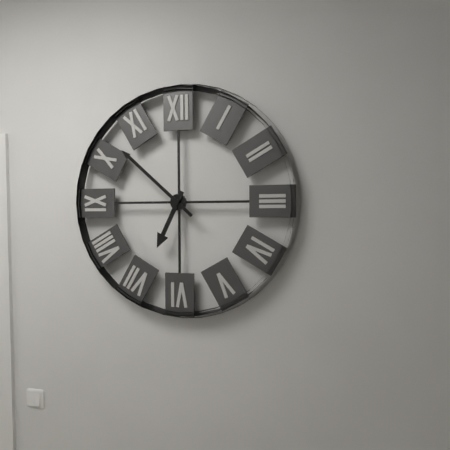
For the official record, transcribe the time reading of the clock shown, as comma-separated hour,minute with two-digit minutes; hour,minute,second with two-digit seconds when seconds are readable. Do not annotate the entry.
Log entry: 6,52
